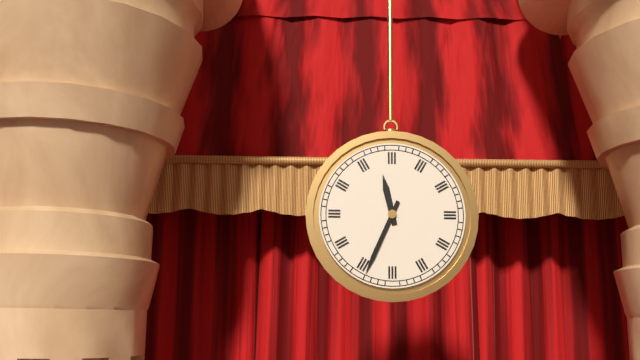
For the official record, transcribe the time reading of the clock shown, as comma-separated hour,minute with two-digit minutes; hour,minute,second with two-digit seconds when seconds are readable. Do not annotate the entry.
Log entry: 11,34
